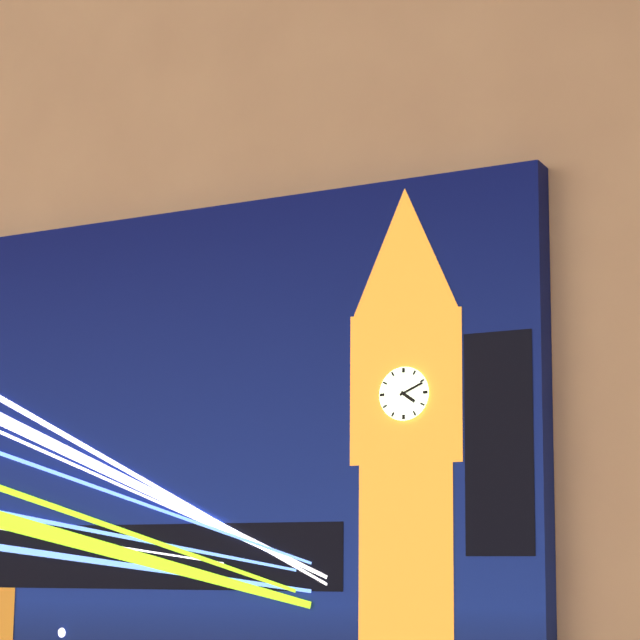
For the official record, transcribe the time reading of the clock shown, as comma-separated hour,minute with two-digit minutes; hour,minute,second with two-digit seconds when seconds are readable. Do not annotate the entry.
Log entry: 4,11
